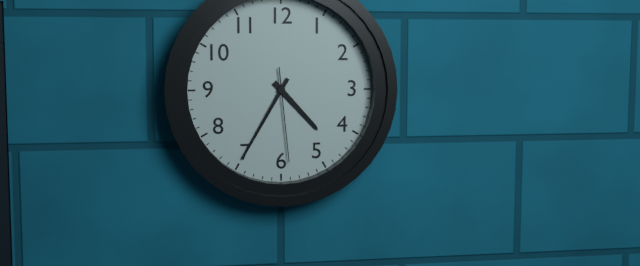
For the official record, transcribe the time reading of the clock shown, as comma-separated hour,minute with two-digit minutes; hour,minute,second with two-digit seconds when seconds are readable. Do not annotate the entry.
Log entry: 4,35,29
